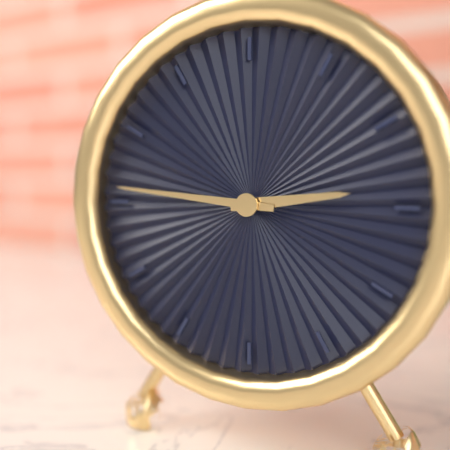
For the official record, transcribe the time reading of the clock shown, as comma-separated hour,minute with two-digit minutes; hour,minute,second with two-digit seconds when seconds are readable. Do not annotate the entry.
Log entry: 2,46
